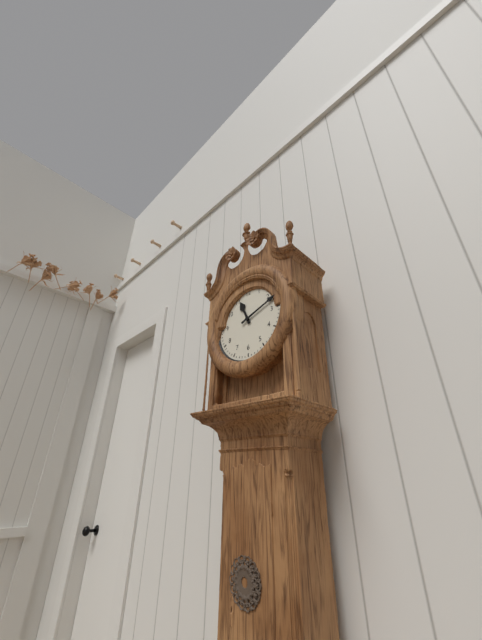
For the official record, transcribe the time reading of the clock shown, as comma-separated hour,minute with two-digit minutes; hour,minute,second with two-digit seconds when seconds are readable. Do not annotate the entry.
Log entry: 11,12
